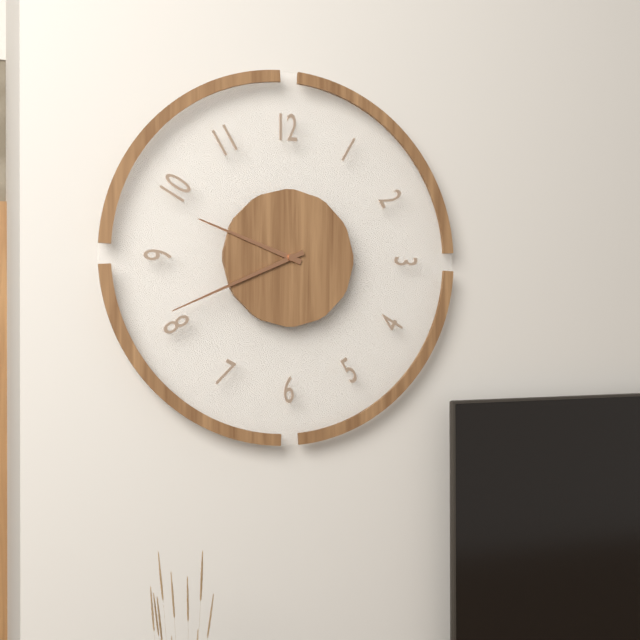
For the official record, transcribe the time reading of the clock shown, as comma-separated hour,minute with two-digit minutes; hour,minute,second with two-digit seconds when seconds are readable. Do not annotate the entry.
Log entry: 9,41
